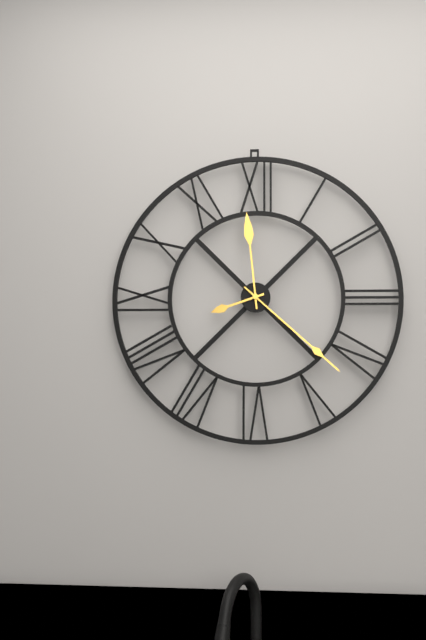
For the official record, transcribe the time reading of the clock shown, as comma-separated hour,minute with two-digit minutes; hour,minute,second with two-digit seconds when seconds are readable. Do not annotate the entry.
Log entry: 8,22,59
